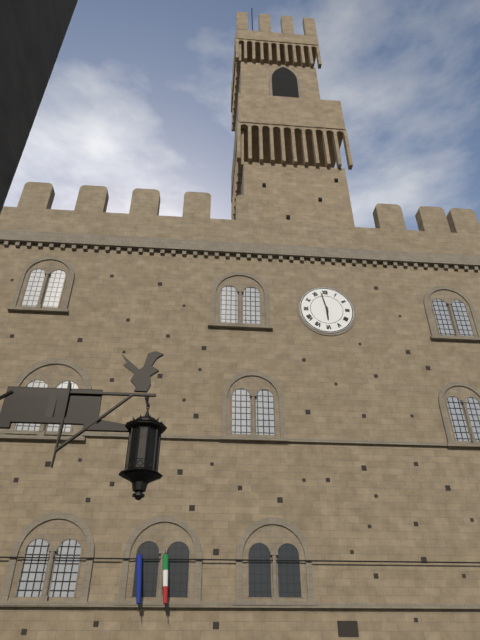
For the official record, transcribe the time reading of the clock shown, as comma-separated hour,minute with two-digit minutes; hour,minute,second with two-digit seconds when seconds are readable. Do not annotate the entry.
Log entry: 5,58
